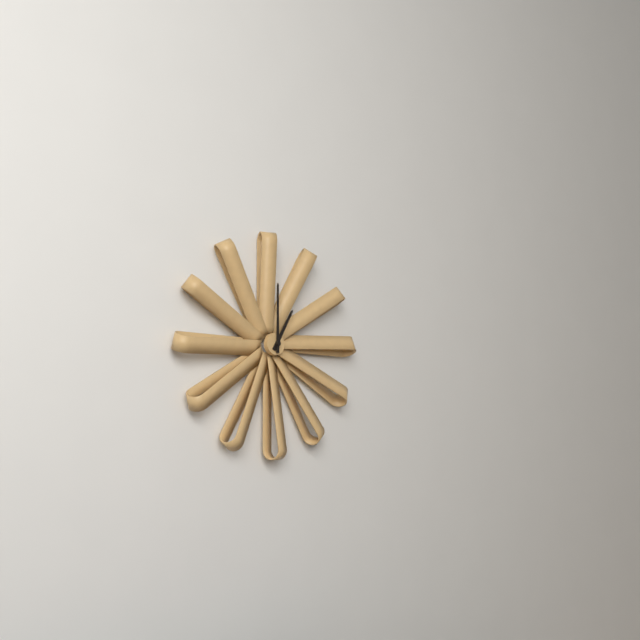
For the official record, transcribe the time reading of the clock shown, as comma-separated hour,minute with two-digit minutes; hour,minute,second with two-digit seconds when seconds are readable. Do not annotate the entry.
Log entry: 1,00
